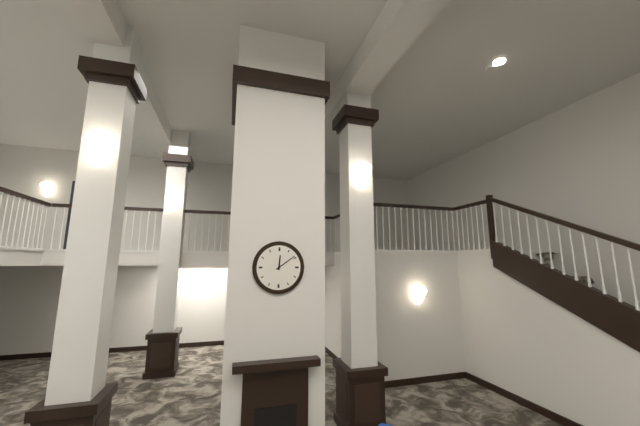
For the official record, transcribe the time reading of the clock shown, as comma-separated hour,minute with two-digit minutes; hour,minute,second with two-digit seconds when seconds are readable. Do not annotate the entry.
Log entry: 12,09
